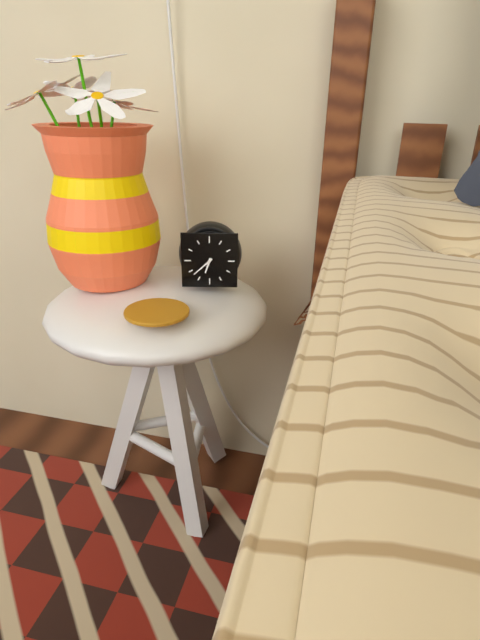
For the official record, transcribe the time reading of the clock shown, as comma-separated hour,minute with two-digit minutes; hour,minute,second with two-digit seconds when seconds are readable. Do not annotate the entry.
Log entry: 6,38
